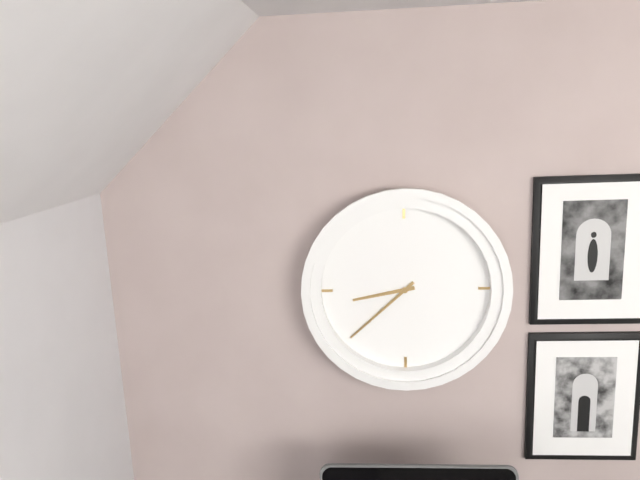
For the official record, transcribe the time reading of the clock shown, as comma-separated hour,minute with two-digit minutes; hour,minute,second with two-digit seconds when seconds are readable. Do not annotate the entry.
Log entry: 8,38
